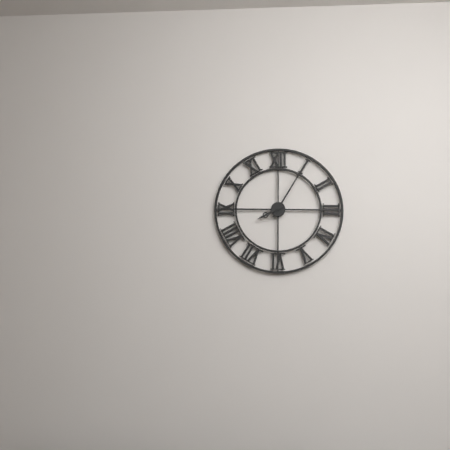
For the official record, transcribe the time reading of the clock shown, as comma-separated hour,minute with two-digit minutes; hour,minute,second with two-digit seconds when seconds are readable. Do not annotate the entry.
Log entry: 8,05
